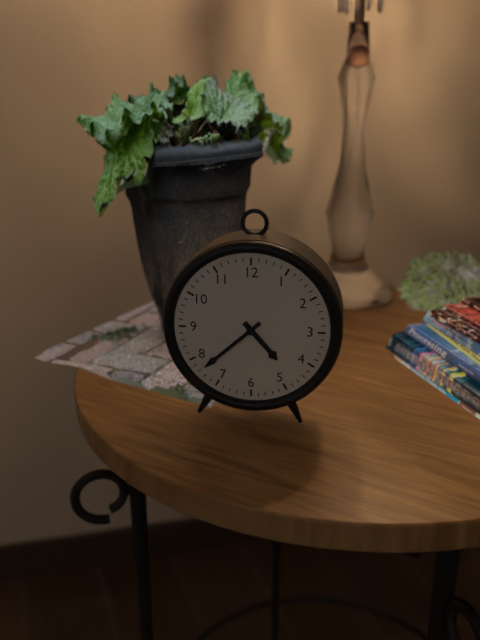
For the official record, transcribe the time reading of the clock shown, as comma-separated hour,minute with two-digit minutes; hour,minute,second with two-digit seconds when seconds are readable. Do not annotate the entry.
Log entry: 4,38
